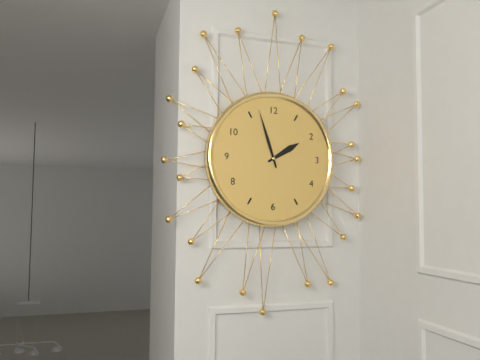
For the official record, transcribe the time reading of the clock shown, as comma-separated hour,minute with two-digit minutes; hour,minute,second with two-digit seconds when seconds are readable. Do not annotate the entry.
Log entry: 1,57
